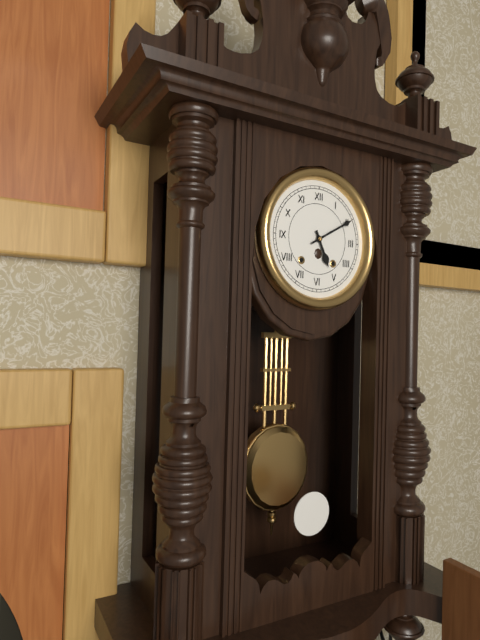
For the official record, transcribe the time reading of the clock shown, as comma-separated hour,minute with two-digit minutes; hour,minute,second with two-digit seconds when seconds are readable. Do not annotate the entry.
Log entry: 5,10
